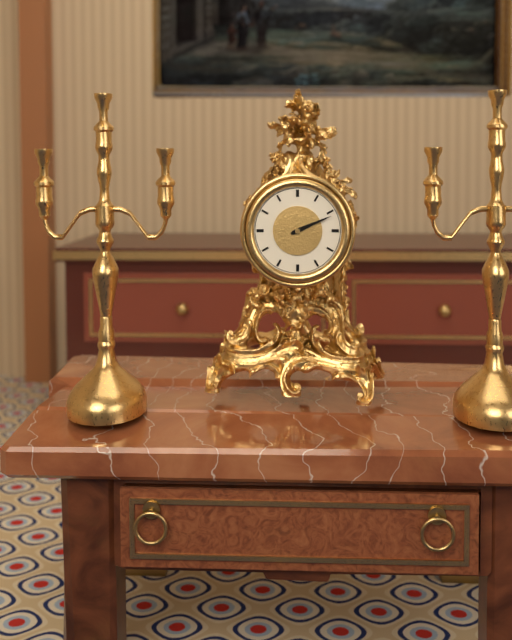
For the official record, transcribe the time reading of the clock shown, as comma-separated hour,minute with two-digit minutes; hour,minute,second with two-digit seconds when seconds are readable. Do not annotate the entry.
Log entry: 2,11
